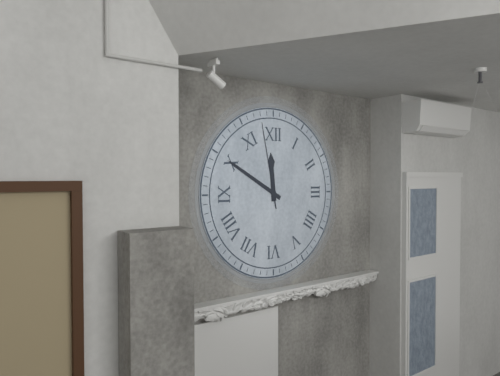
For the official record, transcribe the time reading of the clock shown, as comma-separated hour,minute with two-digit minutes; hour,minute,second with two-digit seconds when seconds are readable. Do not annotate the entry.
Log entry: 11,50,58
